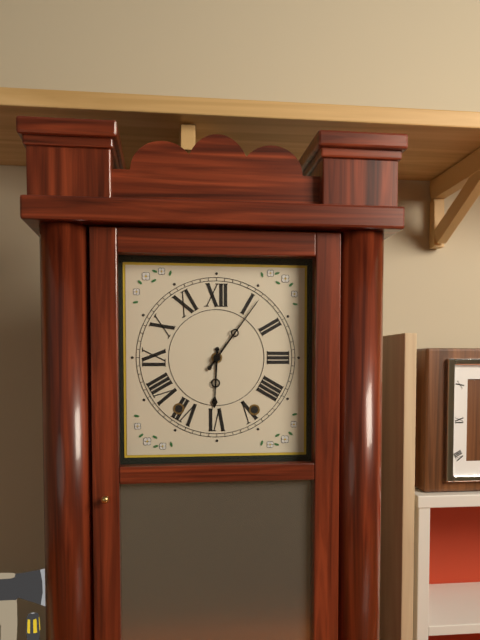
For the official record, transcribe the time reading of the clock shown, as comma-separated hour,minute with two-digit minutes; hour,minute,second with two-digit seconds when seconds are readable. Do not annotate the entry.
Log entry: 6,06
